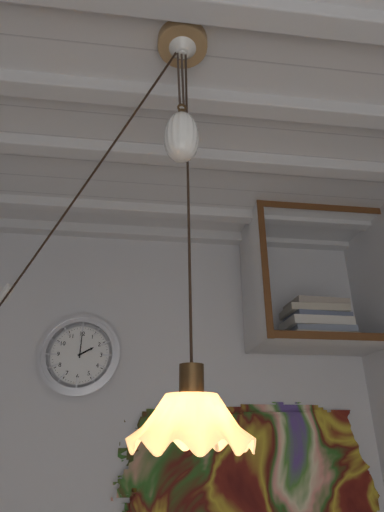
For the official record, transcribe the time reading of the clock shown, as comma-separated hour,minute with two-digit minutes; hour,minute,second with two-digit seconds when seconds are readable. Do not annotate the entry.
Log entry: 2,00
